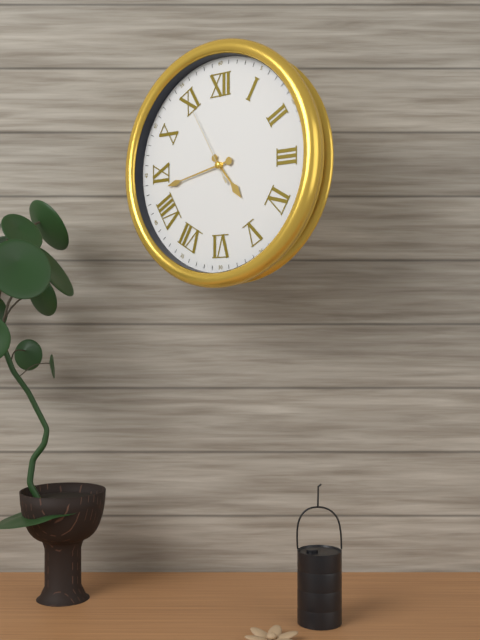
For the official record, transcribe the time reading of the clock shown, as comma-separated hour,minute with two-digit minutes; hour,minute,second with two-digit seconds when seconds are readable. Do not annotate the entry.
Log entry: 4,43,55
